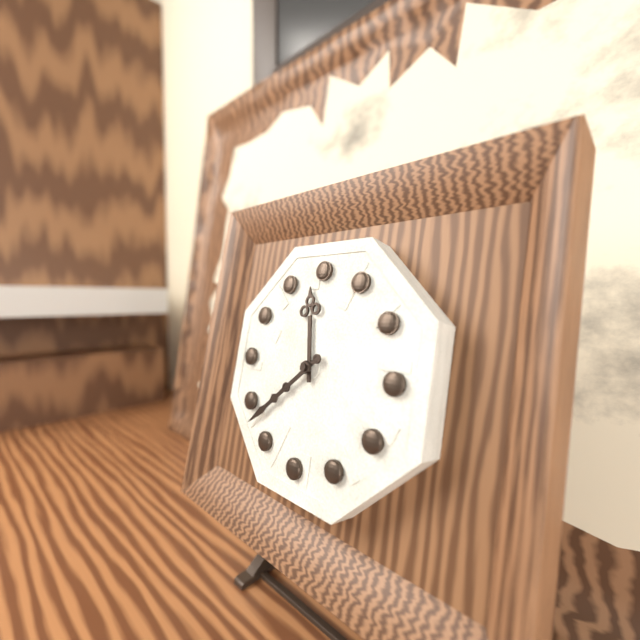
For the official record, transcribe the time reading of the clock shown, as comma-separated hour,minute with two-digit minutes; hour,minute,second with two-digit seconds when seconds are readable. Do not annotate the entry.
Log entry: 11,38
